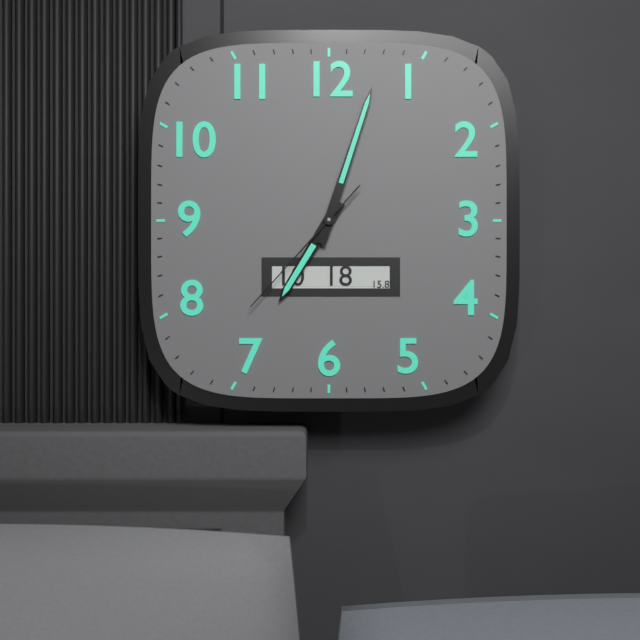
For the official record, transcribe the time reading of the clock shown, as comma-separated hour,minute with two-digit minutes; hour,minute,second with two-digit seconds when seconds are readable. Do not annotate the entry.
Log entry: 7,03,37
